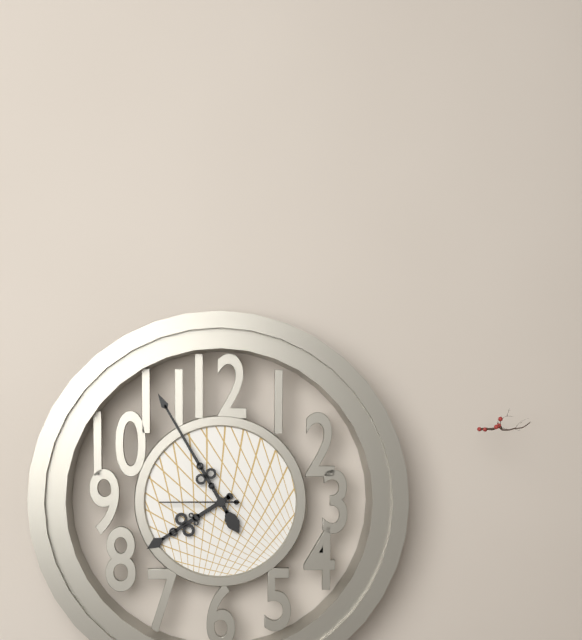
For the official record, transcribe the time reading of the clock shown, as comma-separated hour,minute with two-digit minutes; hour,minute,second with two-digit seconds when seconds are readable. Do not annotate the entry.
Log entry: 7,55,45
